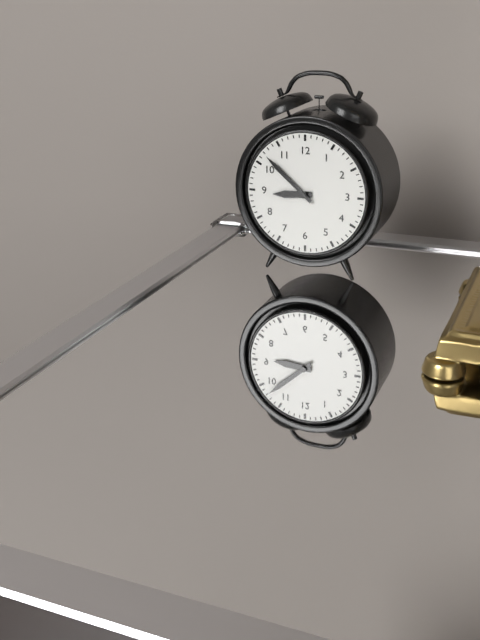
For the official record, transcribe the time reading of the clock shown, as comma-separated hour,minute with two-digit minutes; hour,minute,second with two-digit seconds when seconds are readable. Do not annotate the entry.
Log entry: 8,52
